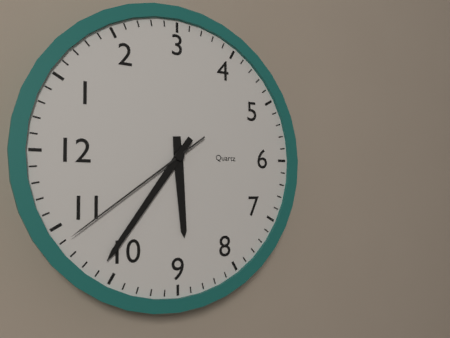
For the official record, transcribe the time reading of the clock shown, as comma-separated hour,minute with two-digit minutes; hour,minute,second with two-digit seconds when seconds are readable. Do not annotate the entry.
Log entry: 8,51,54
